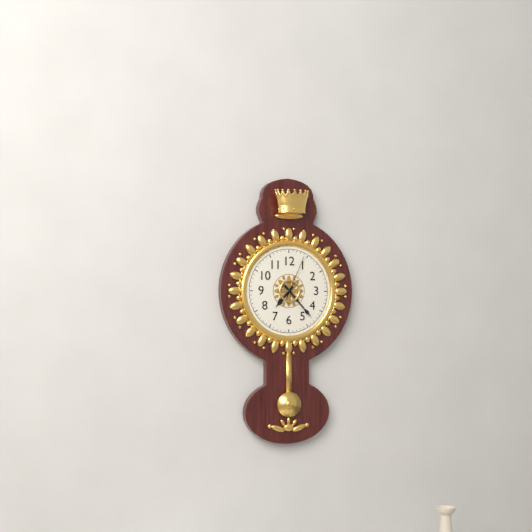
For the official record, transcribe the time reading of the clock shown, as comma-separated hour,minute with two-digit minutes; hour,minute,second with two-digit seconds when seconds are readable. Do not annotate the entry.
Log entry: 7,23
